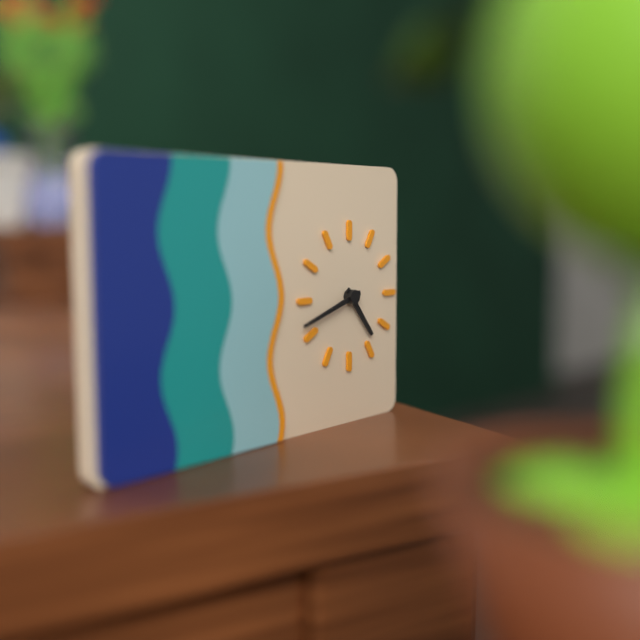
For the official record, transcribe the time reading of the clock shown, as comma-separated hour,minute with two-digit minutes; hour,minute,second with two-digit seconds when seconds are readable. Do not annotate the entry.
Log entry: 4,42
